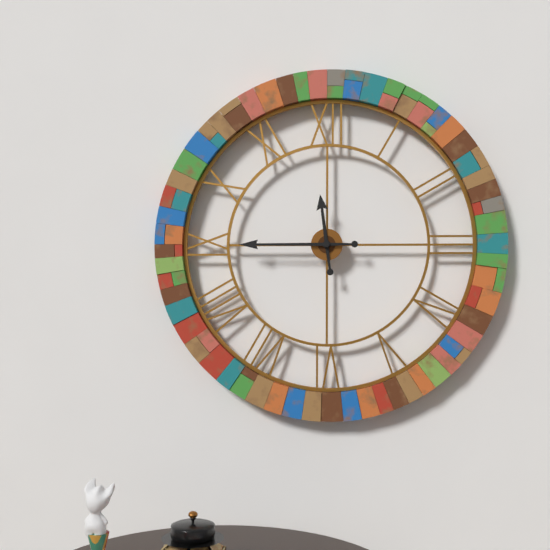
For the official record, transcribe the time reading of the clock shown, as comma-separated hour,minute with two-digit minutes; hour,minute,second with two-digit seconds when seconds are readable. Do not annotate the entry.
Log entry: 11,45
